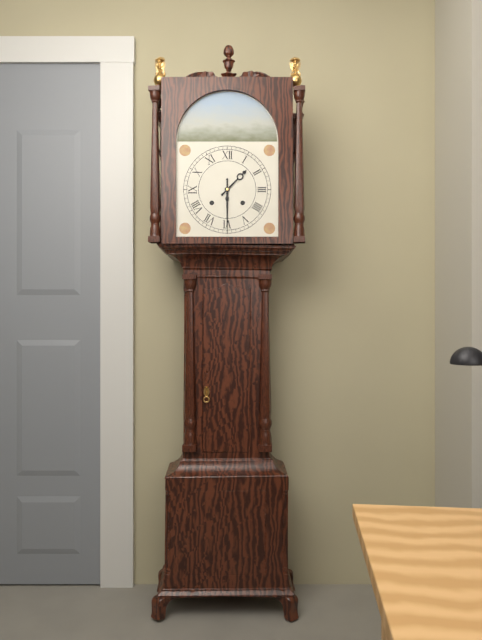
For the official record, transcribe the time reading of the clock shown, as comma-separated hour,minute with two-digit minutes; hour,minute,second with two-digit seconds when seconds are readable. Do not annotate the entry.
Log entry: 1,30
